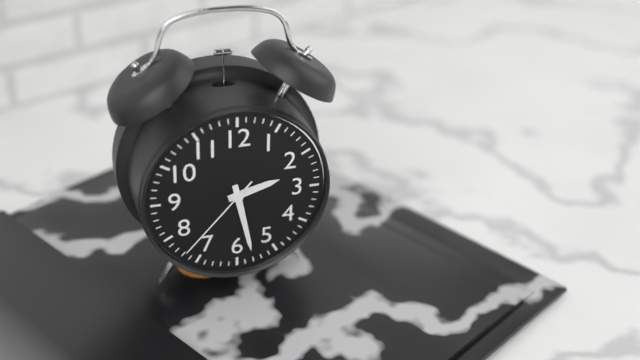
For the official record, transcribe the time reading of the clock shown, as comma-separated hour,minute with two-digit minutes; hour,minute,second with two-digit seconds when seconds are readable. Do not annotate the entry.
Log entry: 2,28,37
